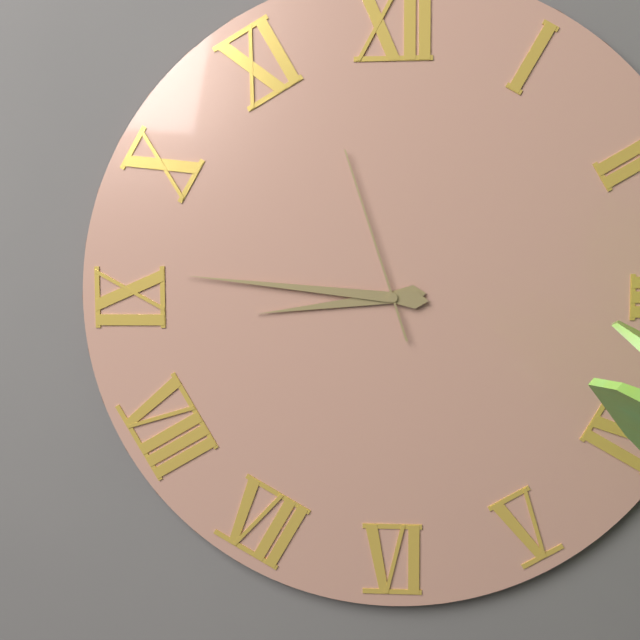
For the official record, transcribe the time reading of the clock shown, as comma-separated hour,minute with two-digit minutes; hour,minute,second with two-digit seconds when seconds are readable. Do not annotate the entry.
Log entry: 8,46,57
